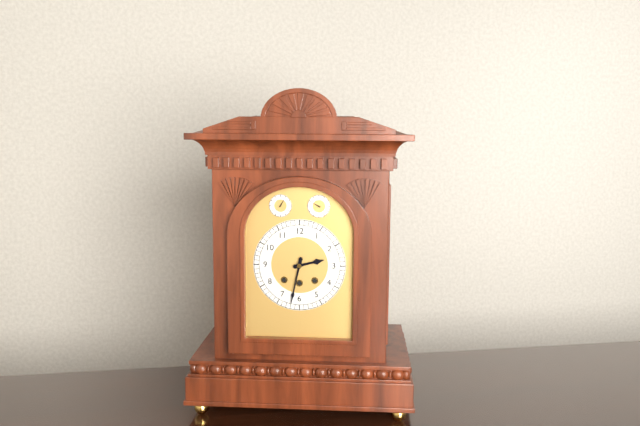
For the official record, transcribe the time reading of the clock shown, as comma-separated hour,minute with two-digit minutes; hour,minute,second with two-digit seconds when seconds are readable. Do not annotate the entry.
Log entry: 2,32
